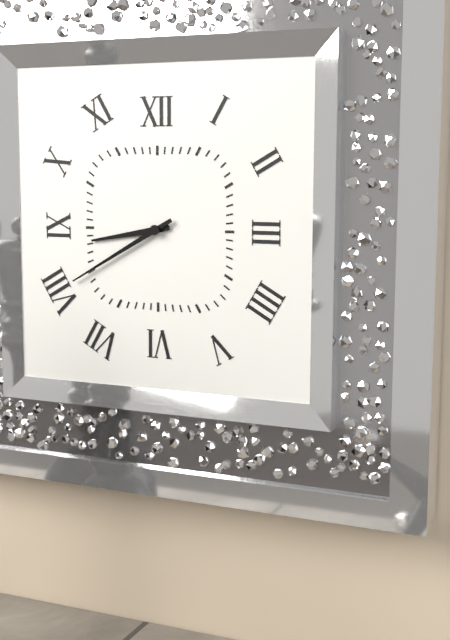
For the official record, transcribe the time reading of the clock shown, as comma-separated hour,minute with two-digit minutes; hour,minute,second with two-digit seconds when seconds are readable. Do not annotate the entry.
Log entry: 8,40
